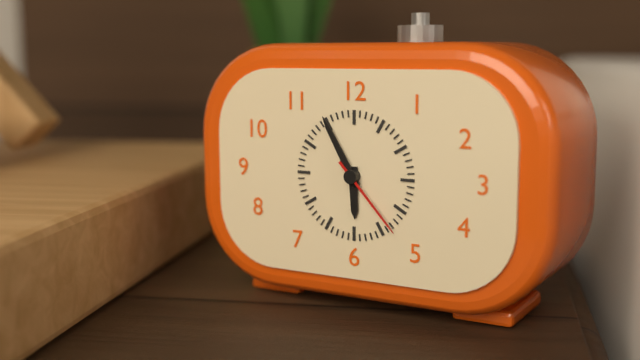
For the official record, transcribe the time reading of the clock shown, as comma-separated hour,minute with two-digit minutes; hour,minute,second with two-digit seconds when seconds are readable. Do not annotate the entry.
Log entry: 5,55,23
